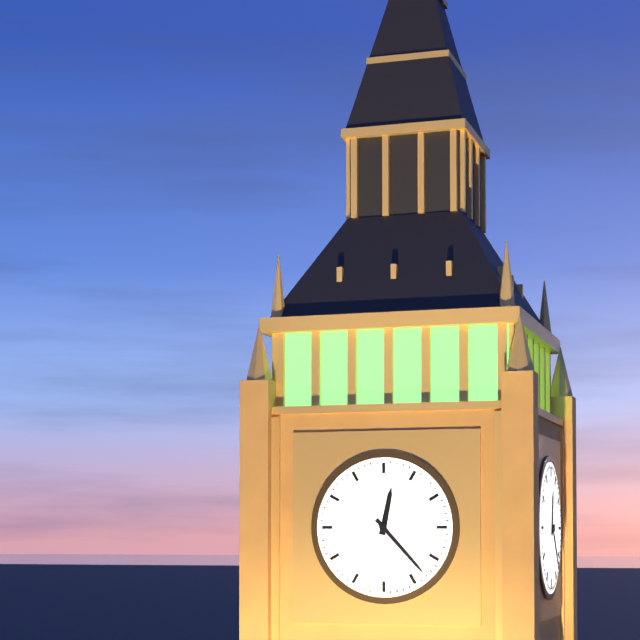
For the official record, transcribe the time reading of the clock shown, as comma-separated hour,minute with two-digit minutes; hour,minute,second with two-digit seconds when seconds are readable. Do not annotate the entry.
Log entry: 12,23
